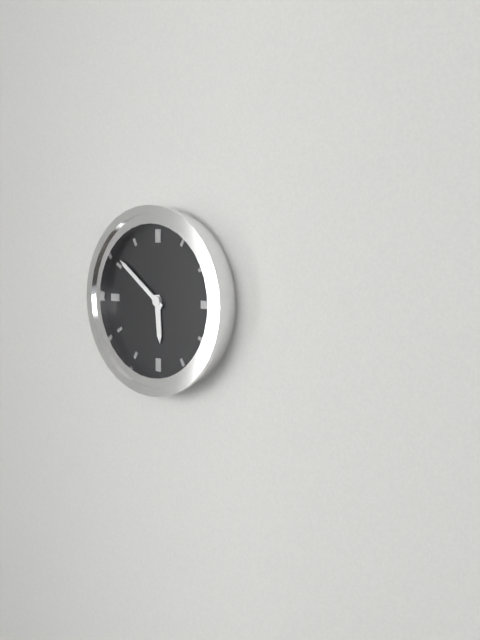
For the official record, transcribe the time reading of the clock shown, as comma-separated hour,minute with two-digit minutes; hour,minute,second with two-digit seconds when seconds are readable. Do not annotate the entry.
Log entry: 5,51
